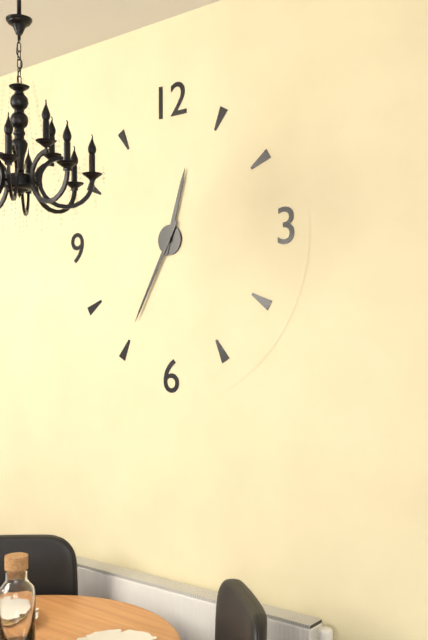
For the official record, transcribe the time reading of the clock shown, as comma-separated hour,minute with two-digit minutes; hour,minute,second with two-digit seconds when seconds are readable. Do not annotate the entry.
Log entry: 12,35
